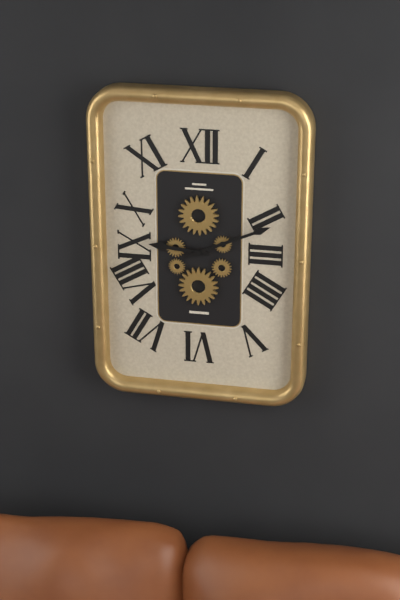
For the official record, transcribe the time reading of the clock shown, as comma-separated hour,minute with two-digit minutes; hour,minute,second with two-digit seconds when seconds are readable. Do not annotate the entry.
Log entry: 9,11
